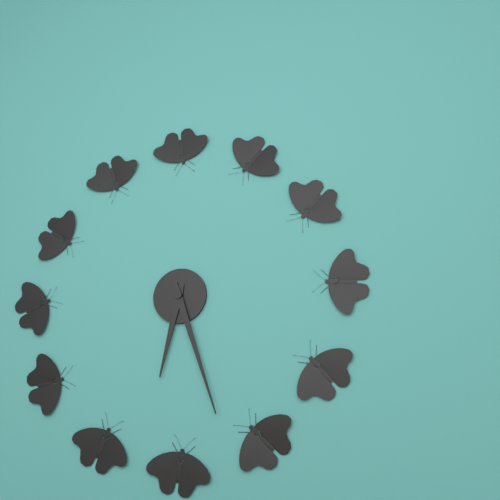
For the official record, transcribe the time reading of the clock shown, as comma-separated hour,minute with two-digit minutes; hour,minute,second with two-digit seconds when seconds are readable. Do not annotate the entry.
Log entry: 6,27
